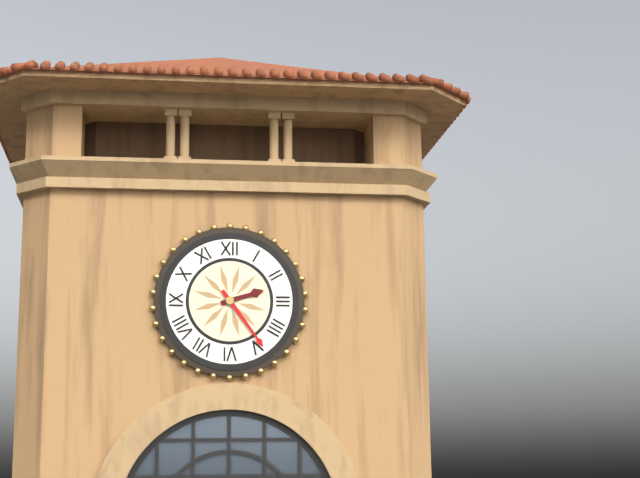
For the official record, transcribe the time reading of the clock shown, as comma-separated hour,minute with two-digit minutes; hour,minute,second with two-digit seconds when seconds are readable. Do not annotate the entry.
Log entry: 2,24
